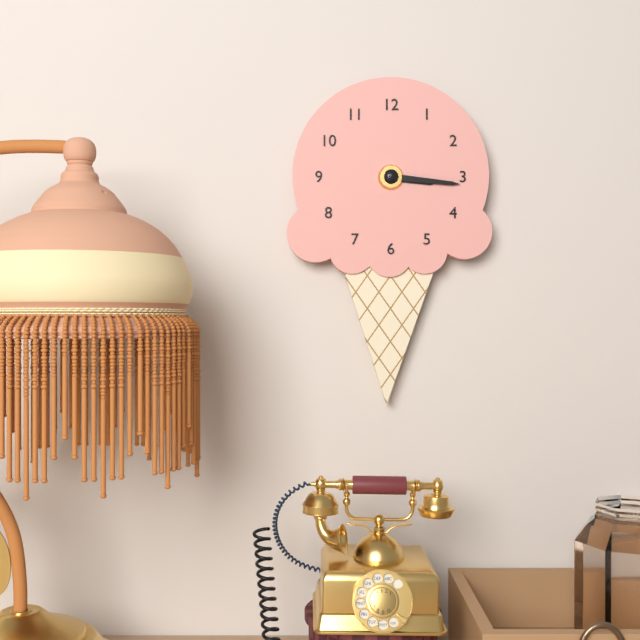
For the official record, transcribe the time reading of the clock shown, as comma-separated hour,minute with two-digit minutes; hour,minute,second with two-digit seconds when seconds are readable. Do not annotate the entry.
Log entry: 3,16
